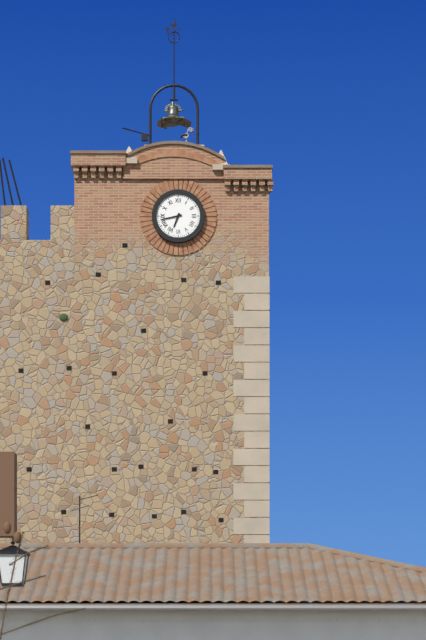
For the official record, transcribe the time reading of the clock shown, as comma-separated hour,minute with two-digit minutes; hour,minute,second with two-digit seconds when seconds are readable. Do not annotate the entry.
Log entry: 6,43
